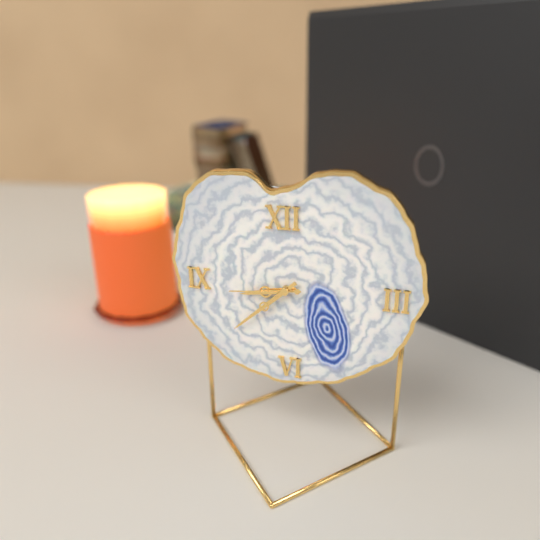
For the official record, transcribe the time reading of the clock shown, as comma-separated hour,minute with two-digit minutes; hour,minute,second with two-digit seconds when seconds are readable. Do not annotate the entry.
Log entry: 8,38,44
